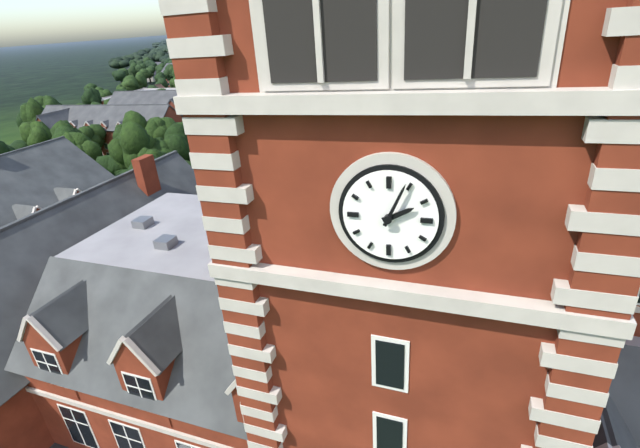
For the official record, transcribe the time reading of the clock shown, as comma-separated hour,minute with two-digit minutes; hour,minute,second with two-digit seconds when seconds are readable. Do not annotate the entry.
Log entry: 2,04
